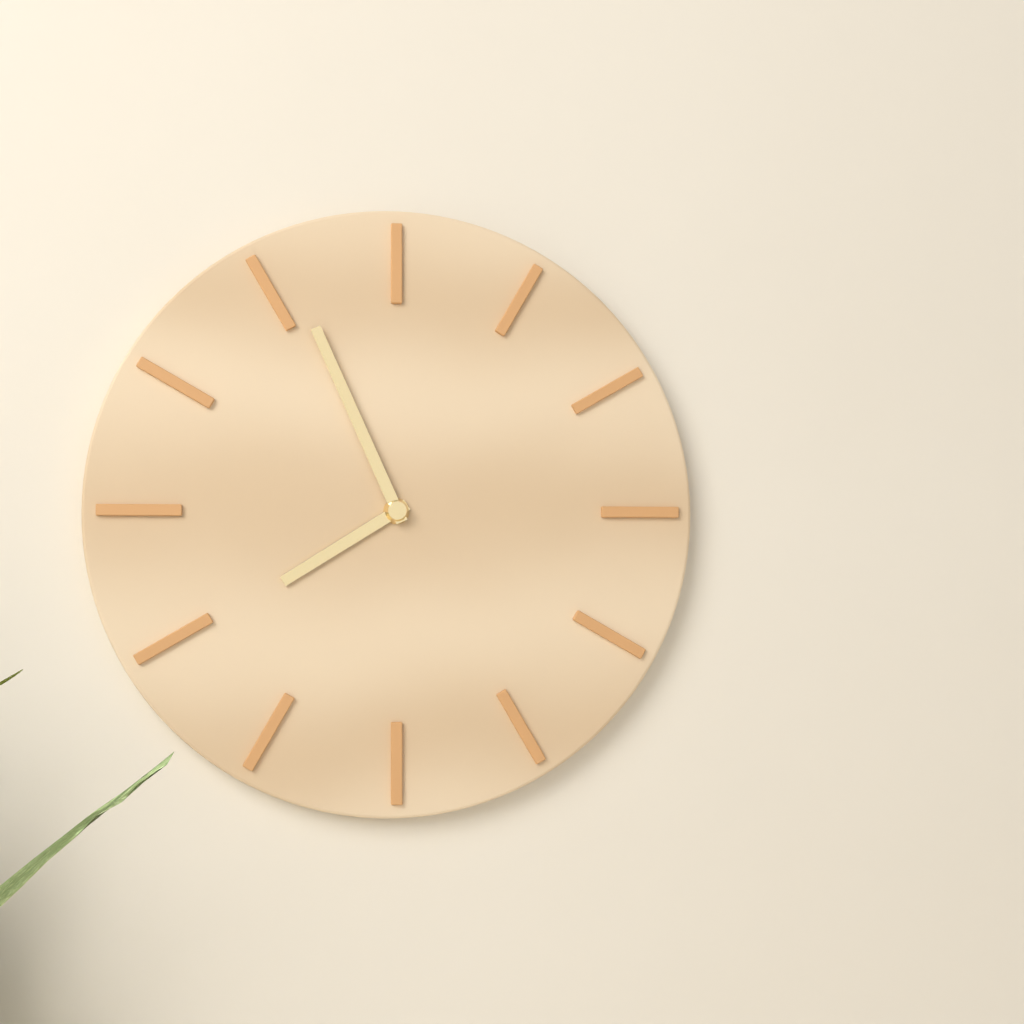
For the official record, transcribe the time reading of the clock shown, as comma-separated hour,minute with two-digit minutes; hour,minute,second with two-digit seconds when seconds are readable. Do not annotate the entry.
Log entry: 7,56
